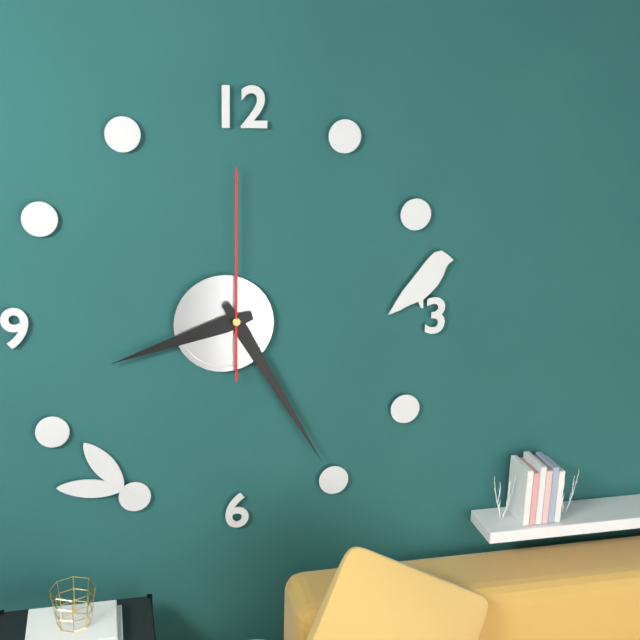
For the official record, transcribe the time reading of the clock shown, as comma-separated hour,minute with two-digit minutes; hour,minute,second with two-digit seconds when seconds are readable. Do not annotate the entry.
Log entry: 8,25,00
